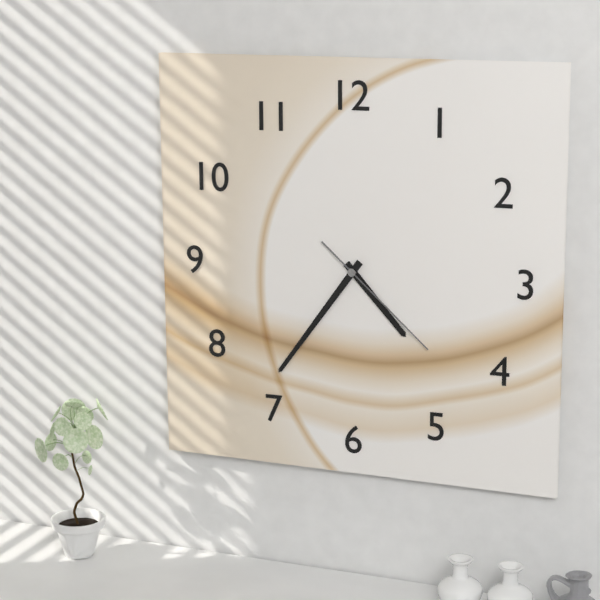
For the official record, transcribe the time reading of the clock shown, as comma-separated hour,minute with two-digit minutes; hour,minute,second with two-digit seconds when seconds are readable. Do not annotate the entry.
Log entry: 4,36,22
